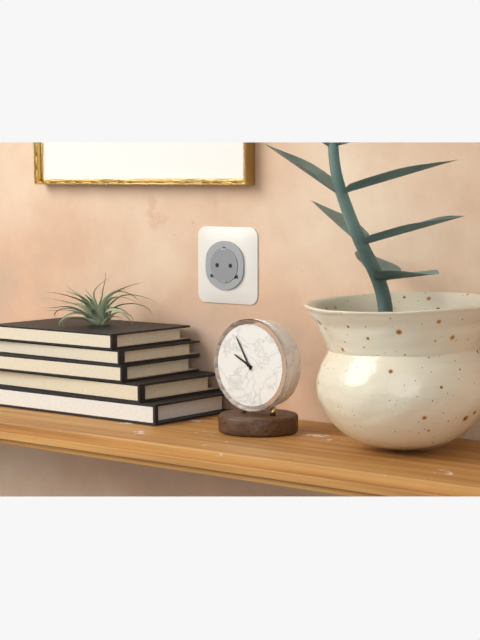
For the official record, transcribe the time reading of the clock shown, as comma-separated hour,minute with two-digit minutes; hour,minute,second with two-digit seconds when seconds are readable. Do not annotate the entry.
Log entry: 9,55
